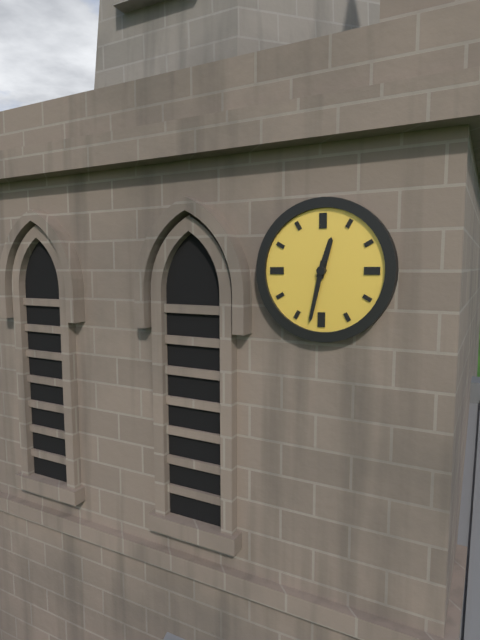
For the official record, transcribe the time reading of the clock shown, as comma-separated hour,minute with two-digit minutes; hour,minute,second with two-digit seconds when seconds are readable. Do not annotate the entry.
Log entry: 12,32
